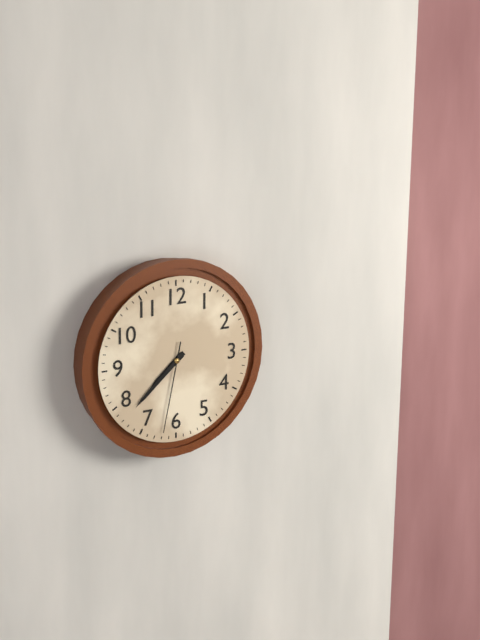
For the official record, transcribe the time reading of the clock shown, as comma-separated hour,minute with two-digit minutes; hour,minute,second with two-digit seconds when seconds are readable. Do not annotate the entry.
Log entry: 7,38,32
